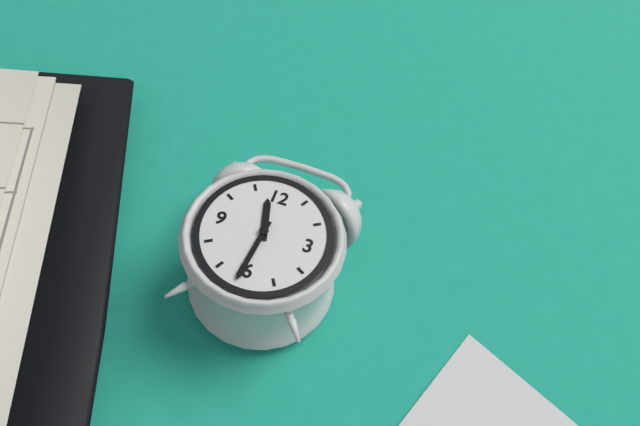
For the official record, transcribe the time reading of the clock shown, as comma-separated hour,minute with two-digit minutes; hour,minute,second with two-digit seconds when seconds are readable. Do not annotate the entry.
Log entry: 11,31
